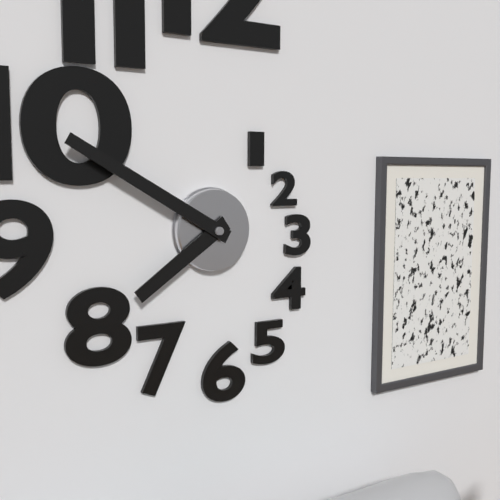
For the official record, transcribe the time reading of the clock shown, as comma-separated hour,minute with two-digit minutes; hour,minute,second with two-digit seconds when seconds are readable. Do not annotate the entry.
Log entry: 7,50
